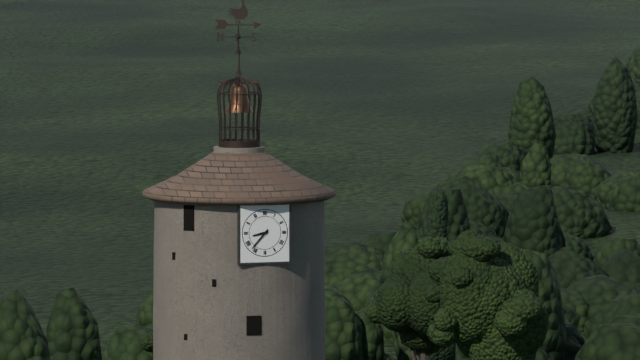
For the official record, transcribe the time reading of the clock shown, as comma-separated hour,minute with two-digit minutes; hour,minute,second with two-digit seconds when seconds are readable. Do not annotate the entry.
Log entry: 8,37
